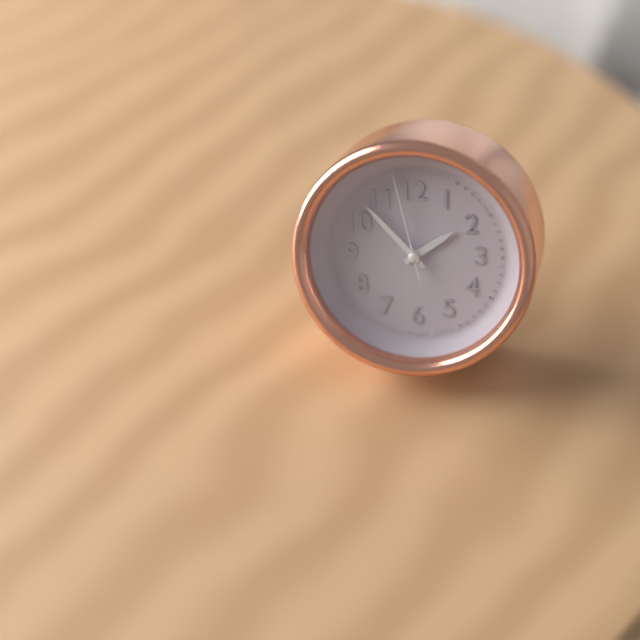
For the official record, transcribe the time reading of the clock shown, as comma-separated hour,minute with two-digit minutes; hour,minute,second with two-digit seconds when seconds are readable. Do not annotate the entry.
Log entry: 1,53,58
